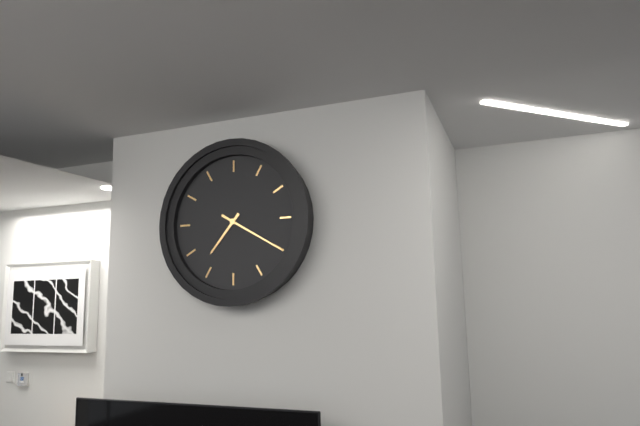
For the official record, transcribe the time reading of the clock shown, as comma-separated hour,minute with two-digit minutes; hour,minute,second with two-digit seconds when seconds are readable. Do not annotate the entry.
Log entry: 7,20
